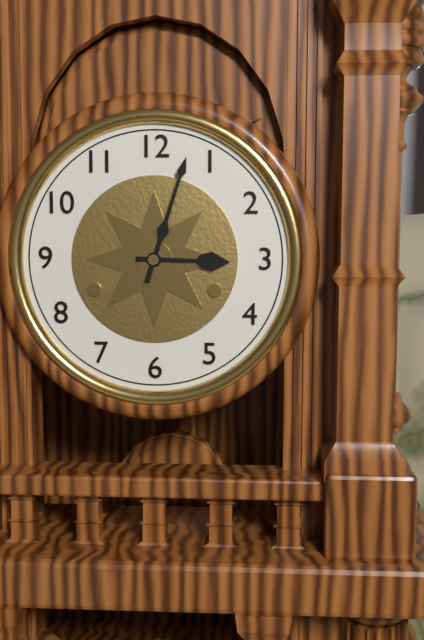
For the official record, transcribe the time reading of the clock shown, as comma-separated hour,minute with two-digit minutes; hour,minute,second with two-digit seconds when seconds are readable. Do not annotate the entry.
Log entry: 3,03
